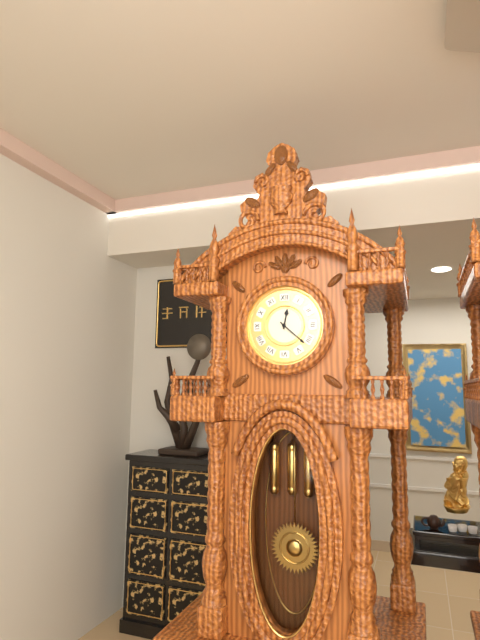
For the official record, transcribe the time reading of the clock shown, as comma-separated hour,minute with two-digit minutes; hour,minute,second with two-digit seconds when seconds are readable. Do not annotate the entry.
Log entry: 12,22
